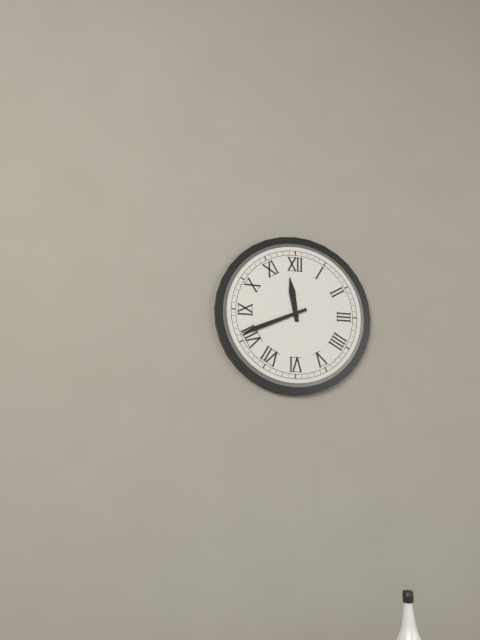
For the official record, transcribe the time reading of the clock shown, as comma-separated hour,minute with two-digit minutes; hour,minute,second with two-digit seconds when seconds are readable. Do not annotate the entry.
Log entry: 11,41
